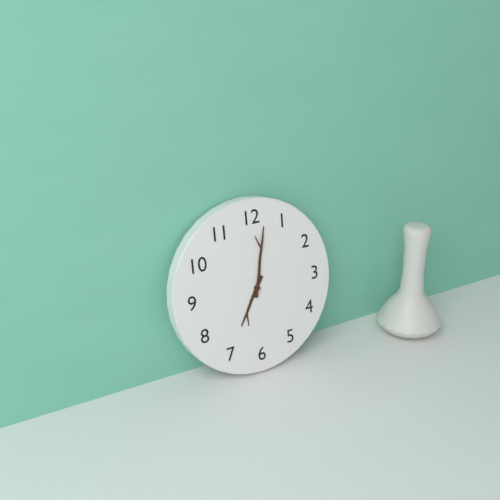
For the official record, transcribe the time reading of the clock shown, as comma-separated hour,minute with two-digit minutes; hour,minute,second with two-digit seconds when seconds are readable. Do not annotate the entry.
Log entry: 7,02
